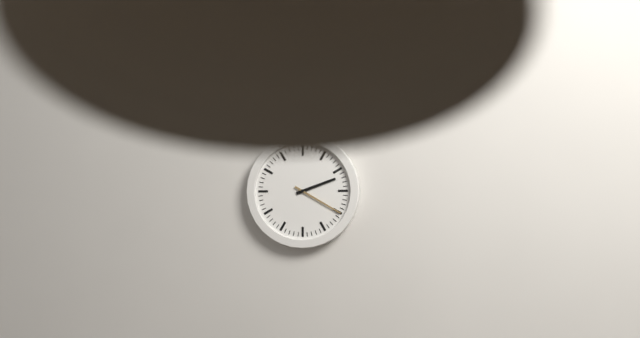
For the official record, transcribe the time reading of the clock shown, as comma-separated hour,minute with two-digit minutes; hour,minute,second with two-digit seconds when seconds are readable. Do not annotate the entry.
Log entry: 2,20
